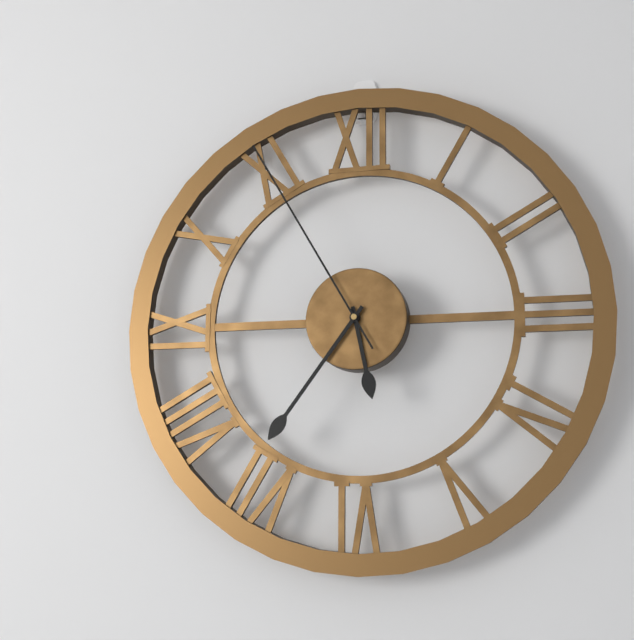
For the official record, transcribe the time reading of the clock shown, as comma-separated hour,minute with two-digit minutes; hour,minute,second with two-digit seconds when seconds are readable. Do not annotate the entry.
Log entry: 5,36,55
